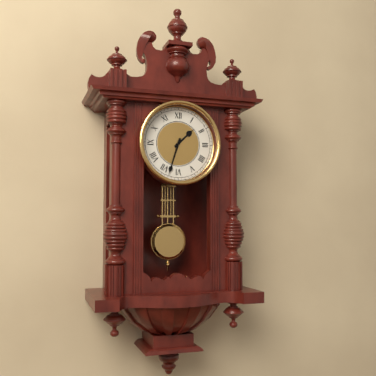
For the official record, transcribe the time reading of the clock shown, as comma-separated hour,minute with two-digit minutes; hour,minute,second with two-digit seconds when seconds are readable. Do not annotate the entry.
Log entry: 1,33
